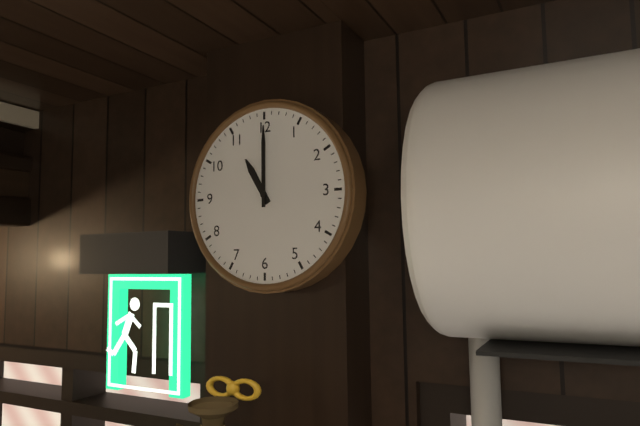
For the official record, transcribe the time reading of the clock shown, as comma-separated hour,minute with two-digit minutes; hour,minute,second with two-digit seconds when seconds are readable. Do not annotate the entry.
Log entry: 11,00
